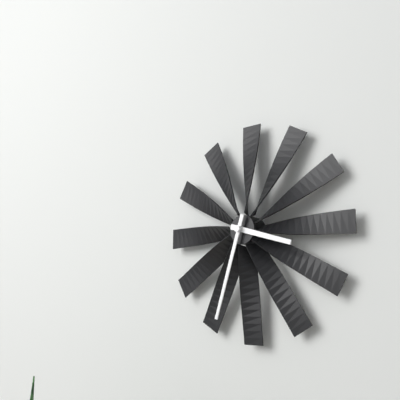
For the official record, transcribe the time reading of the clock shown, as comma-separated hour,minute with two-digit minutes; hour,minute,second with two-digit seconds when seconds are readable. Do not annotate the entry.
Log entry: 3,33
